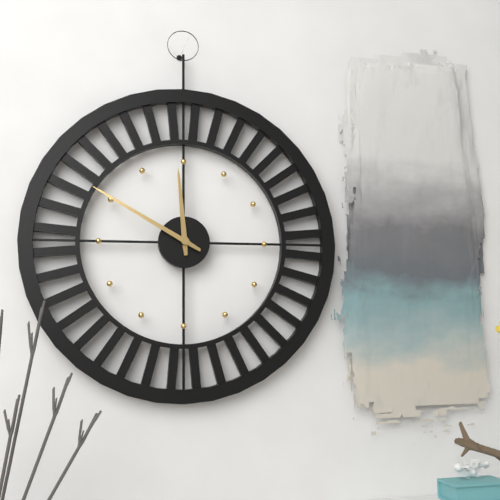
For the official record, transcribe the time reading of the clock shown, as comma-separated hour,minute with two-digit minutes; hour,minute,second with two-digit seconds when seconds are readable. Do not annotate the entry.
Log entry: 11,50
